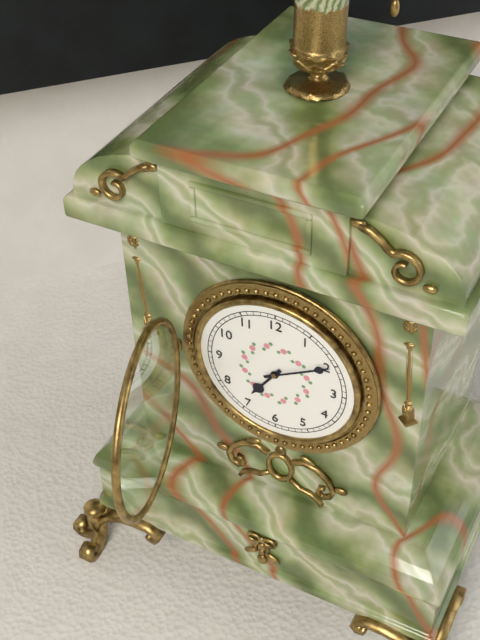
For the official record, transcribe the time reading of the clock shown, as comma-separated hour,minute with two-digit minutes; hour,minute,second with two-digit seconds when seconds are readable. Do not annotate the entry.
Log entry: 7,10
